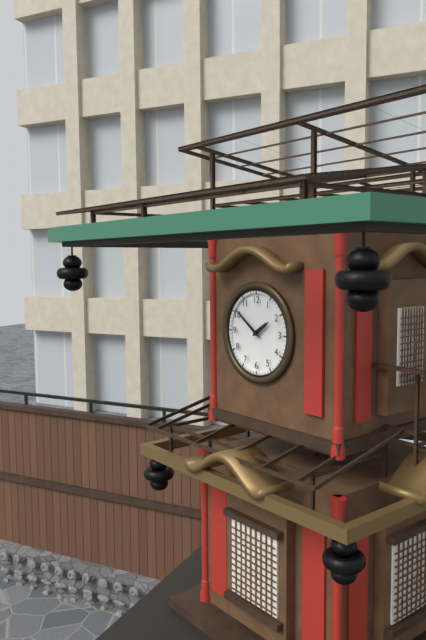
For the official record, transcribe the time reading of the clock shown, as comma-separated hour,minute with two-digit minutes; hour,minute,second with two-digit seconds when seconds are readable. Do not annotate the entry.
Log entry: 1,51
